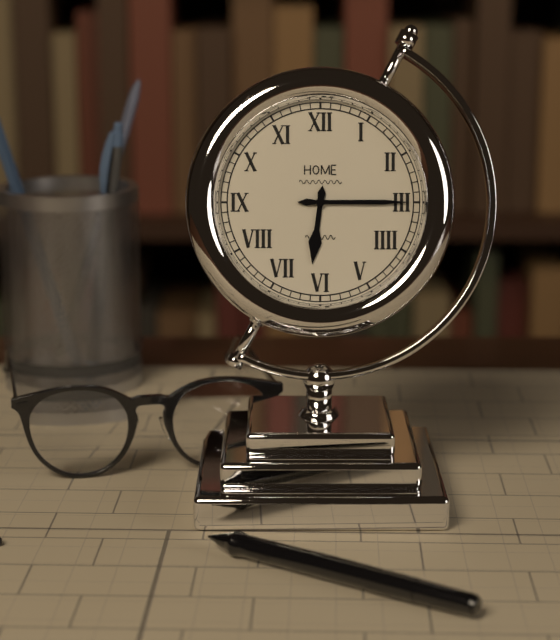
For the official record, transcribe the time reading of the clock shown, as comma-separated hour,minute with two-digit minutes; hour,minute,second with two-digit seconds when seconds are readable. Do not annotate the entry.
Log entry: 6,15
